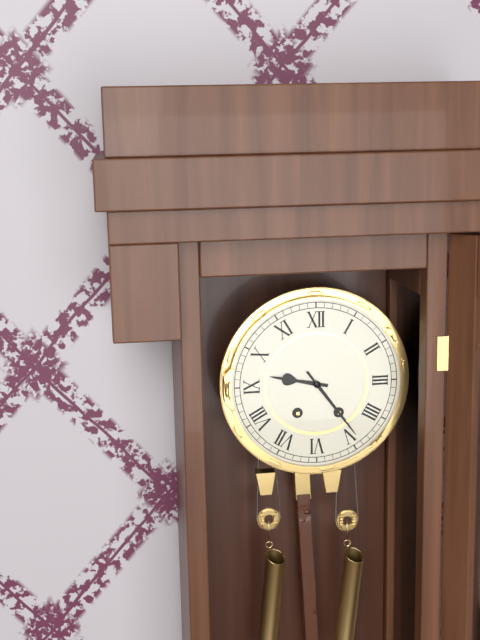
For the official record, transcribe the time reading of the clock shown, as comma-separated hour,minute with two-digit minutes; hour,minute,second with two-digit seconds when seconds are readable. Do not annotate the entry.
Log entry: 9,24
